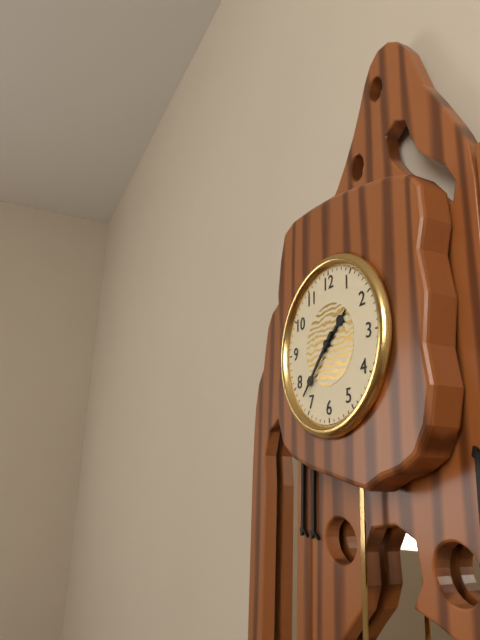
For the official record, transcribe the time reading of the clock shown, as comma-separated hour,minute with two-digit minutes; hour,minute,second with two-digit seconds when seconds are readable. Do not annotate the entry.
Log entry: 1,37
